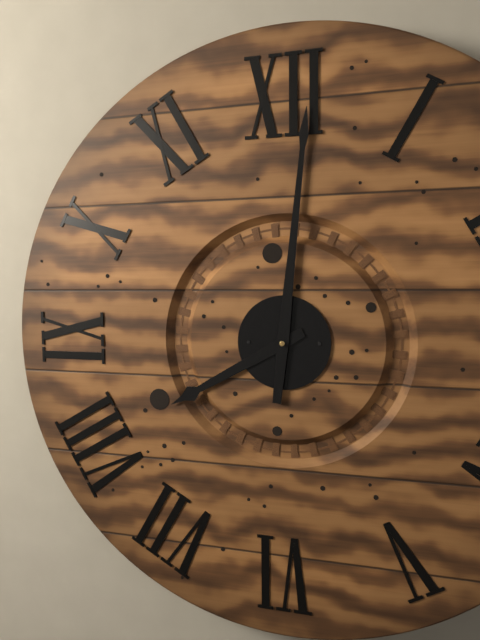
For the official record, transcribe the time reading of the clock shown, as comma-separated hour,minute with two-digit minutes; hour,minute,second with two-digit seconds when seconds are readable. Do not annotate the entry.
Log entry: 8,01
